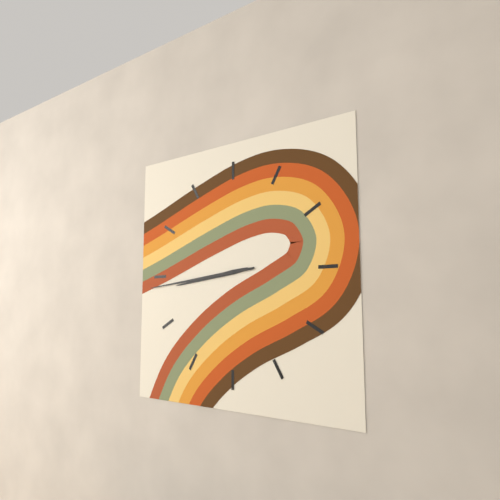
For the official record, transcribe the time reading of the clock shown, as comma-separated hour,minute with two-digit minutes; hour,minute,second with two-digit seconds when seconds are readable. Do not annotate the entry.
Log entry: 8,44
